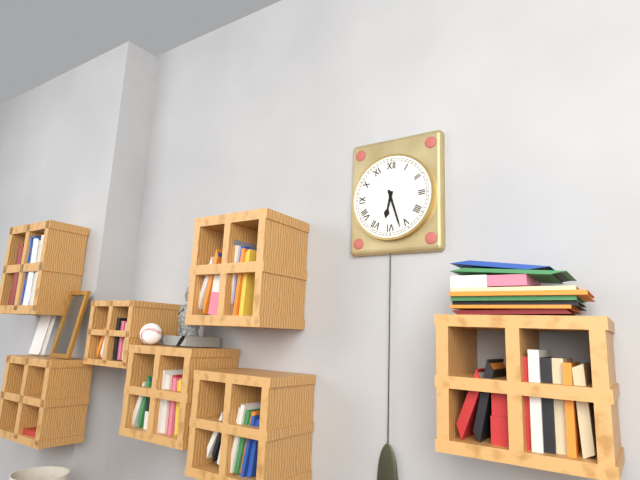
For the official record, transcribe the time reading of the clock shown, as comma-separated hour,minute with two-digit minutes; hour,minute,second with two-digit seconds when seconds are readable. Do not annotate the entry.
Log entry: 6,27
